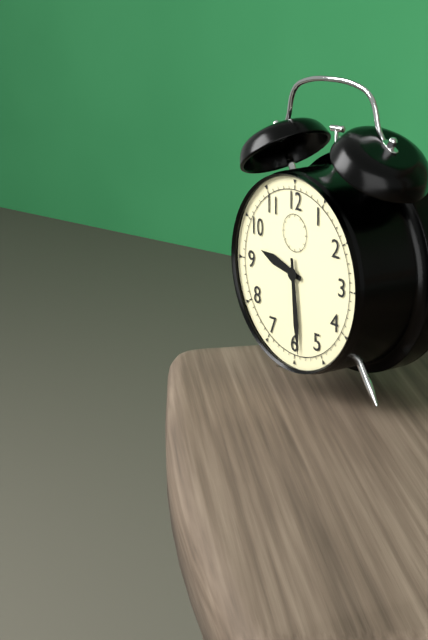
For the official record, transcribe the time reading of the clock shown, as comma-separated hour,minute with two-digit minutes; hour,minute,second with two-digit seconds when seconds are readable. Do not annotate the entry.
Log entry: 9,29
